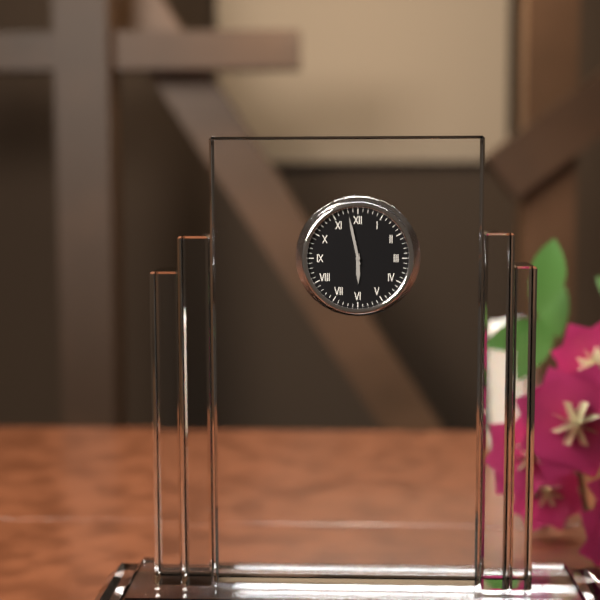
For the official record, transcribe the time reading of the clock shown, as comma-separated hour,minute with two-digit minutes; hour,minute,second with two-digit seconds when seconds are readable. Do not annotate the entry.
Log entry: 5,58
